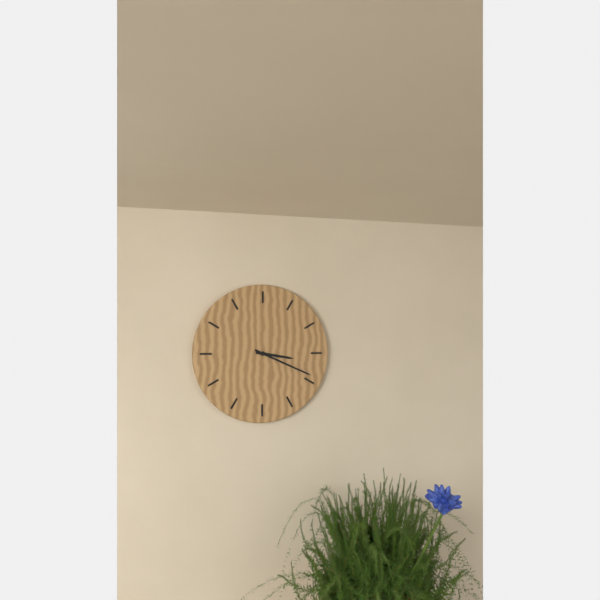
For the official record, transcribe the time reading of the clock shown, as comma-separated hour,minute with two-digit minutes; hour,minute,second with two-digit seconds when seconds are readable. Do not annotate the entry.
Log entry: 3,19
